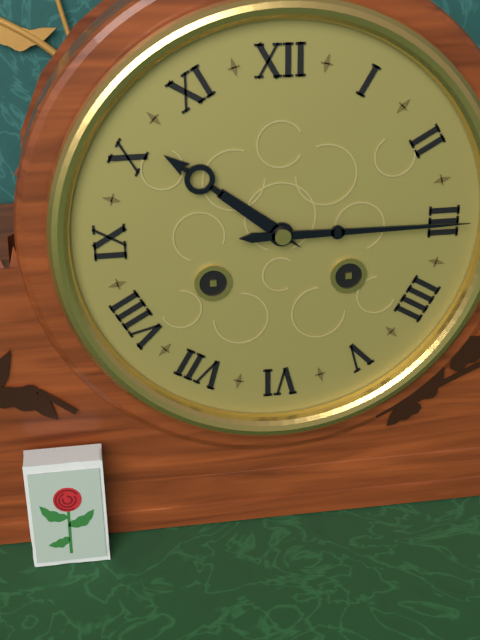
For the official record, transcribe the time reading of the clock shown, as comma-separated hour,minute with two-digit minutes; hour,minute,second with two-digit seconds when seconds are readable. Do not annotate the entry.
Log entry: 10,15
